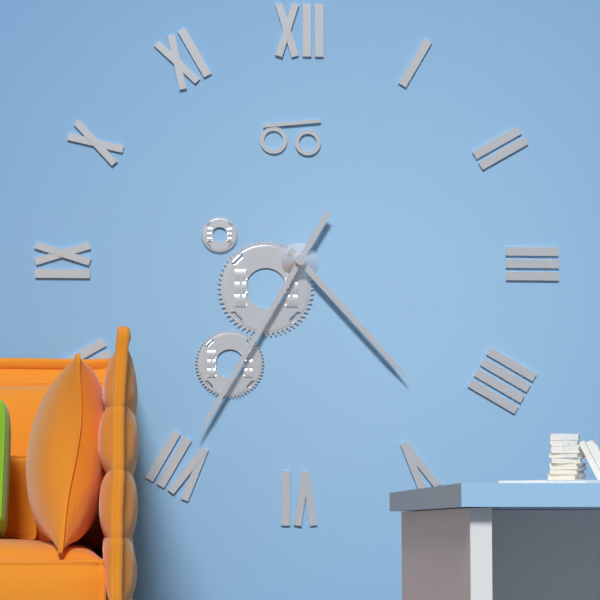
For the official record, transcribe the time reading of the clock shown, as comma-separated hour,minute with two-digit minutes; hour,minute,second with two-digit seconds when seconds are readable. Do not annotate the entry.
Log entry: 4,35
